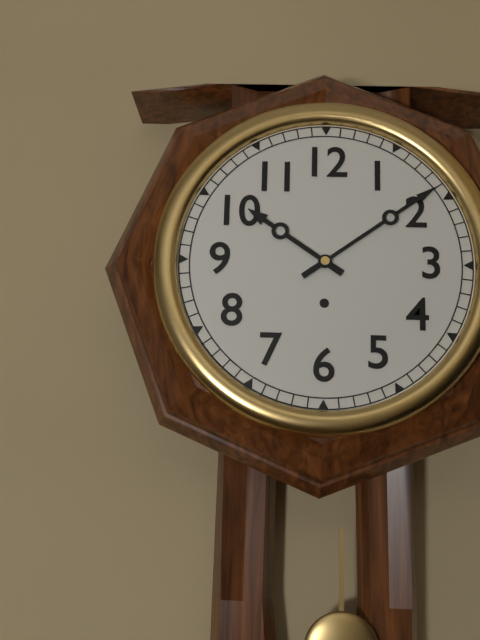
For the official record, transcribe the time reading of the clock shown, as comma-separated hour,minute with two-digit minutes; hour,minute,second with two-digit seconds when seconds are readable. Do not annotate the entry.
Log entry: 10,09
